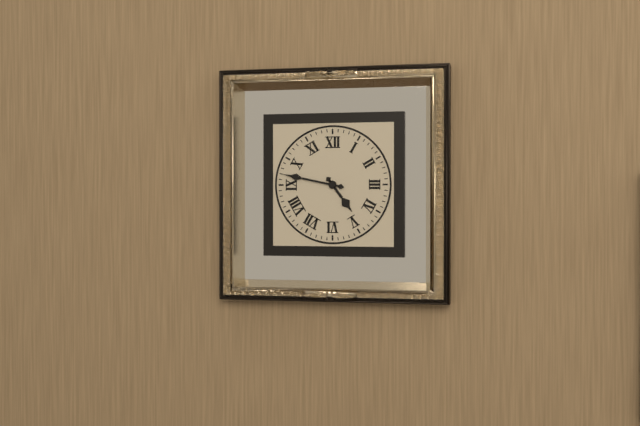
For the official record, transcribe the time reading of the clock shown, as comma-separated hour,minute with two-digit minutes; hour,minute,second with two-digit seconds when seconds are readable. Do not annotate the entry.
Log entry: 4,47
